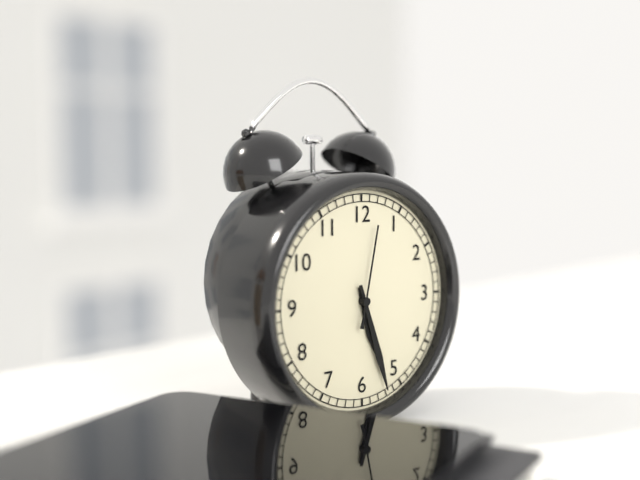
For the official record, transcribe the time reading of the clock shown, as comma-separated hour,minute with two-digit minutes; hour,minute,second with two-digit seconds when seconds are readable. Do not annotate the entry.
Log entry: 5,27,02
